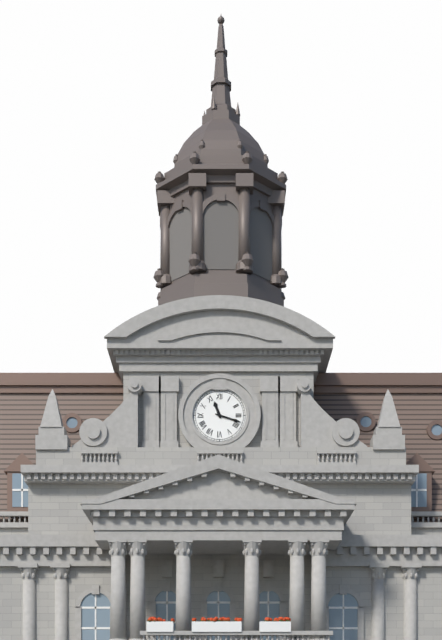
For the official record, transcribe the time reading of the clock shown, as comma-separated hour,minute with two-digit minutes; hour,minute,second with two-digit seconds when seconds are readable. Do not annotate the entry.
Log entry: 11,18
